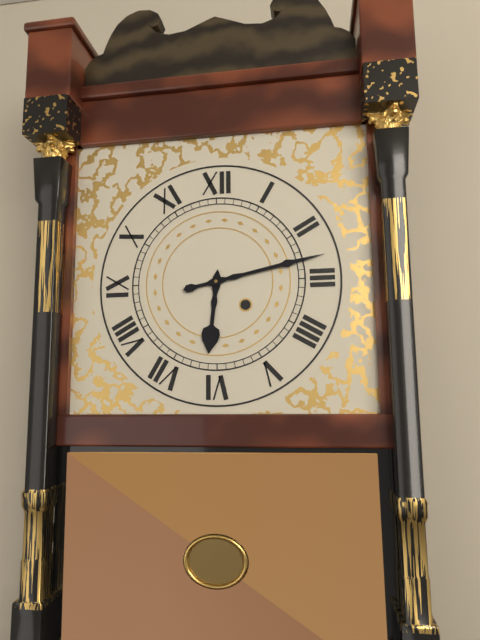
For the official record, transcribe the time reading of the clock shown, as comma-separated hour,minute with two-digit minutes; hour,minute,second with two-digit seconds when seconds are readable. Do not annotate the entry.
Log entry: 6,13
